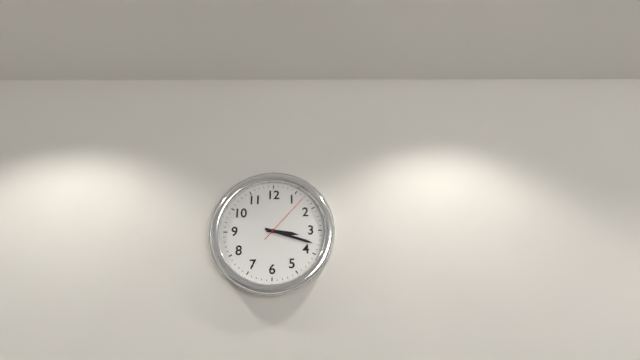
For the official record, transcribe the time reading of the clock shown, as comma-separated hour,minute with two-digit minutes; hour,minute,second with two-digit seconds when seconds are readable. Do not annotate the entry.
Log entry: 3,18,07
